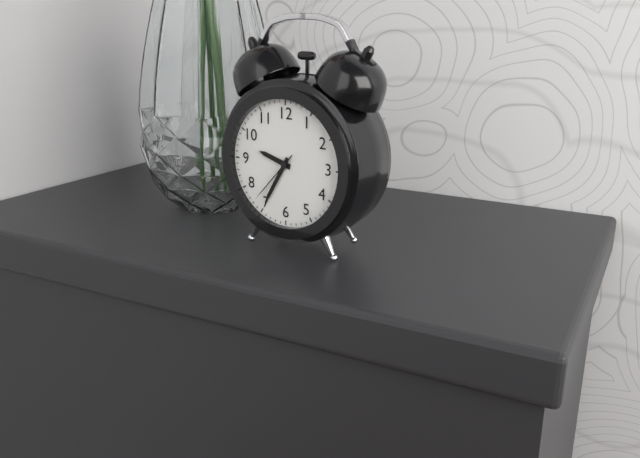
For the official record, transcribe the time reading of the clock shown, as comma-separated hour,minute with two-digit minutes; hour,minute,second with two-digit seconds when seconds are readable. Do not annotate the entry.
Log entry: 9,35,37
